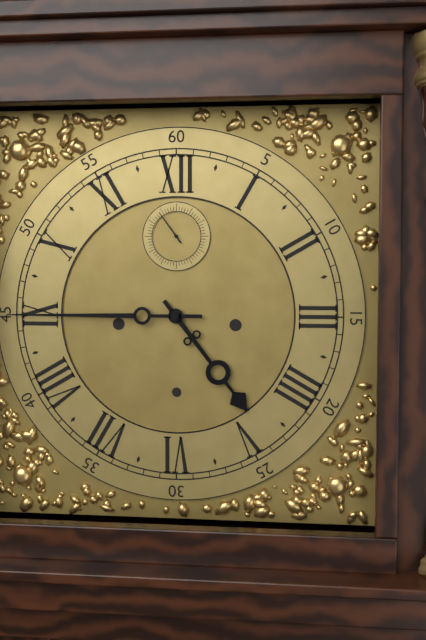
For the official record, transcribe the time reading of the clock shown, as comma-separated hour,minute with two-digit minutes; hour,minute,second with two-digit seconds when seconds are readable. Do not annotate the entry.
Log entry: 4,45
